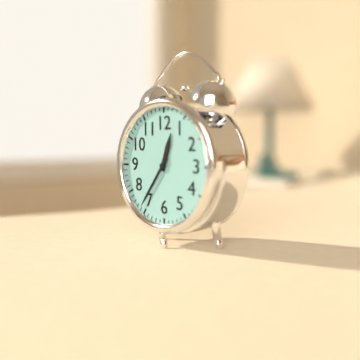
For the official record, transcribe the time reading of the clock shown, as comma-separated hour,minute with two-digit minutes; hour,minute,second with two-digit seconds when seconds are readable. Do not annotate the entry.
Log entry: 12,36
